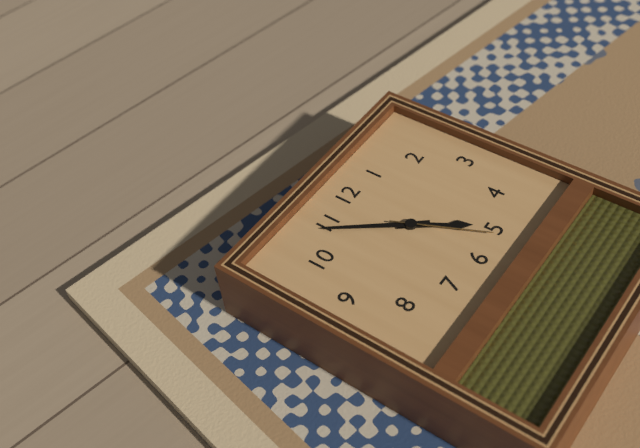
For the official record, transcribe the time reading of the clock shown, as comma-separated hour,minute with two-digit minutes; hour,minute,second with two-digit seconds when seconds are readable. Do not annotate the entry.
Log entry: 4,54,26
